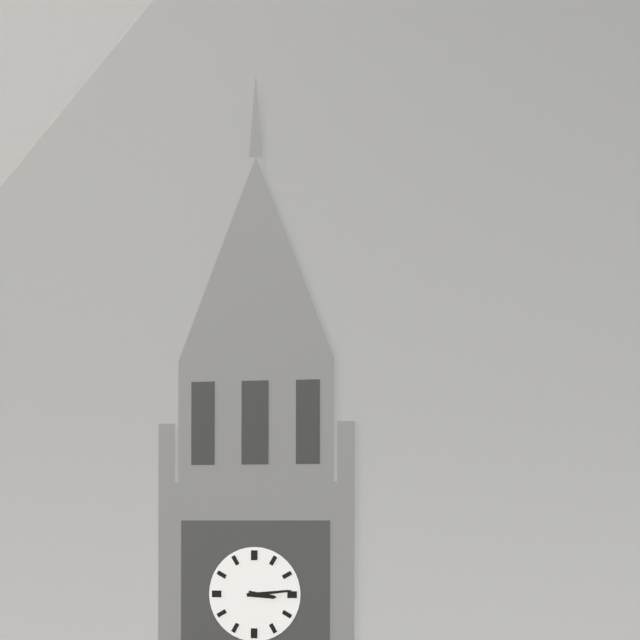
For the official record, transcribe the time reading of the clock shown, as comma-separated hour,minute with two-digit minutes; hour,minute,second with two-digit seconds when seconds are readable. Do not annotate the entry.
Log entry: 3,14
